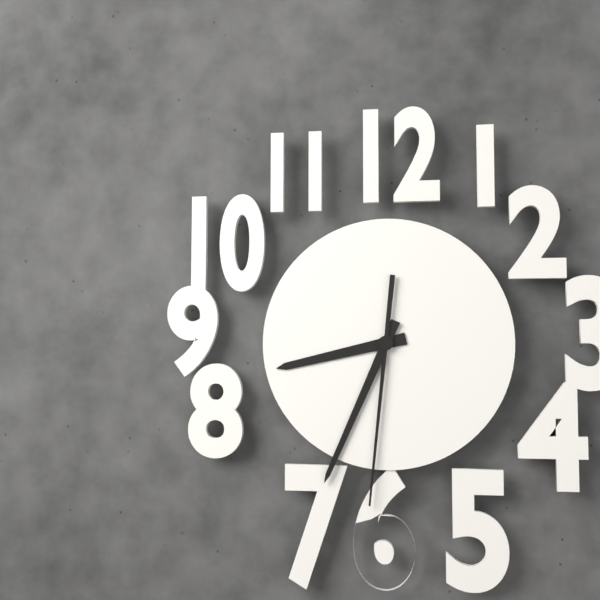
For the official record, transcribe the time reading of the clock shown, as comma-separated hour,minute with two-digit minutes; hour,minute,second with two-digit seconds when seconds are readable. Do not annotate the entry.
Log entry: 8,34,31
